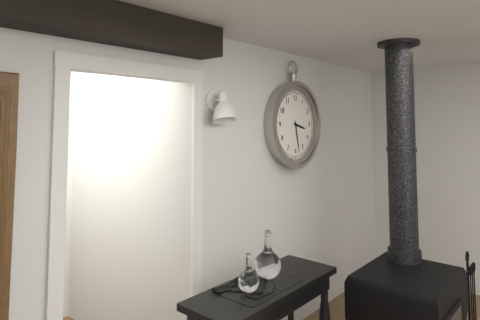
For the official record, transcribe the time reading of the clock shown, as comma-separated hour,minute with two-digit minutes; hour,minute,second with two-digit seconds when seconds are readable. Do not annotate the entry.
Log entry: 3,28
